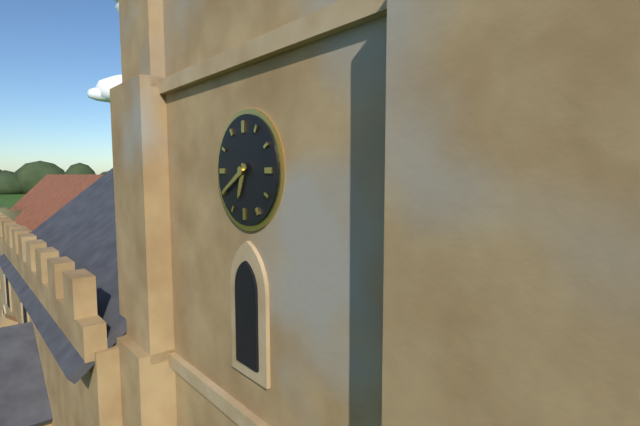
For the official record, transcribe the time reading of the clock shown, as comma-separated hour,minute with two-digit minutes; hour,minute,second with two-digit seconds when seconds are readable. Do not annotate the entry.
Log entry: 6,40
